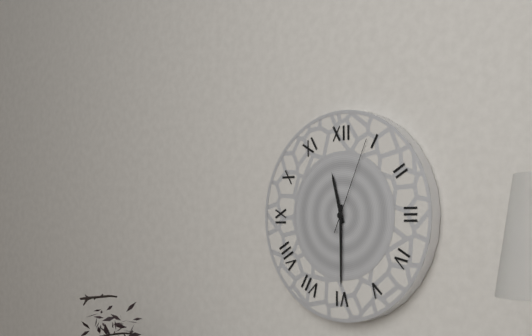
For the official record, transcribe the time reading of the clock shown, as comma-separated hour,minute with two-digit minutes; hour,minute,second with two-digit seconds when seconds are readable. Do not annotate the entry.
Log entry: 11,30,04
